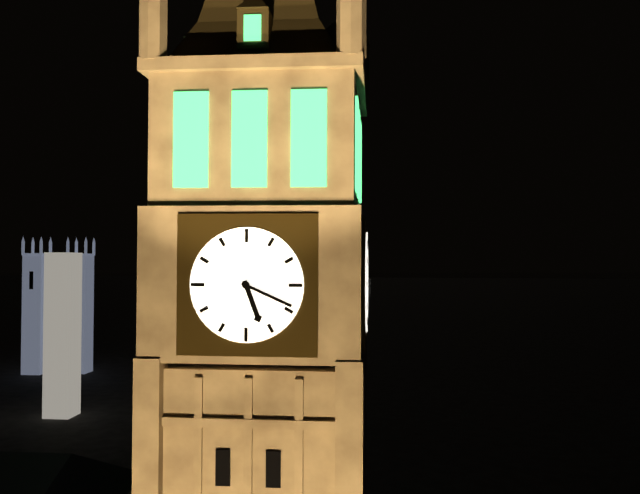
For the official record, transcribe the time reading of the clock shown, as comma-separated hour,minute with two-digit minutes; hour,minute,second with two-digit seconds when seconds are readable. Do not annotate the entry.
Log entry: 5,19
